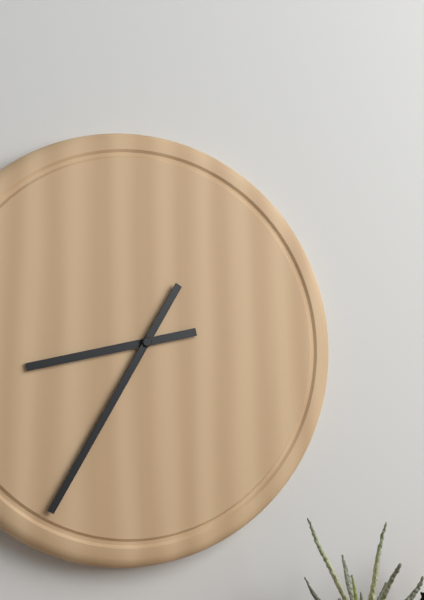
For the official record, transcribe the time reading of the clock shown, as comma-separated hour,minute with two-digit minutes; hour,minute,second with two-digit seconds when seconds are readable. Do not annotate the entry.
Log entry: 8,35
